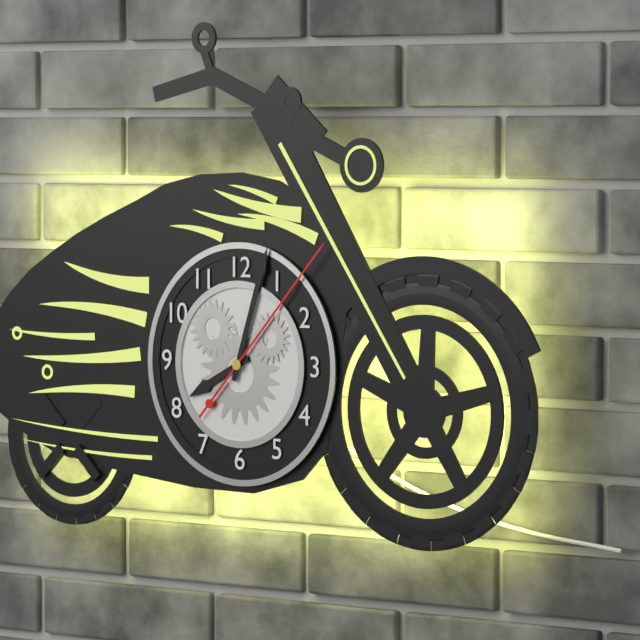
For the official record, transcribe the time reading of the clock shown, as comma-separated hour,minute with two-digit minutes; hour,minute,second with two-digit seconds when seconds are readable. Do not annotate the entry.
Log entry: 8,03,07
